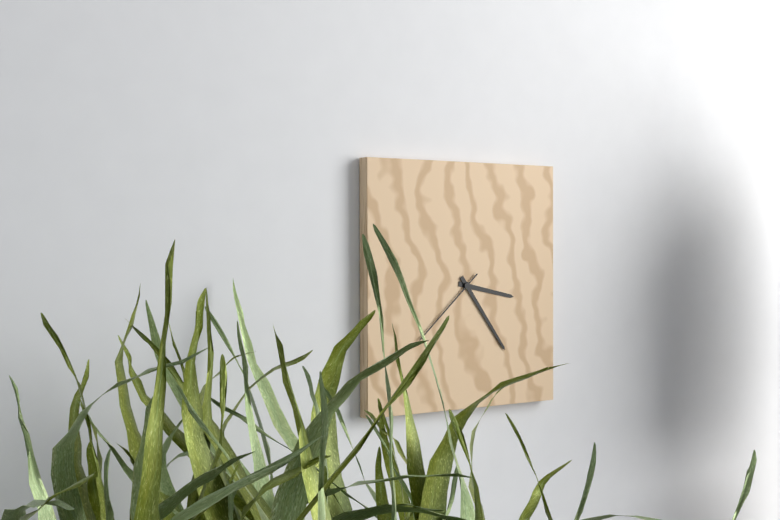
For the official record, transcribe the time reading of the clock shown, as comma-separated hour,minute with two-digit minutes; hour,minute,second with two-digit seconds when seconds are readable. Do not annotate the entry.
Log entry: 3,24,38
